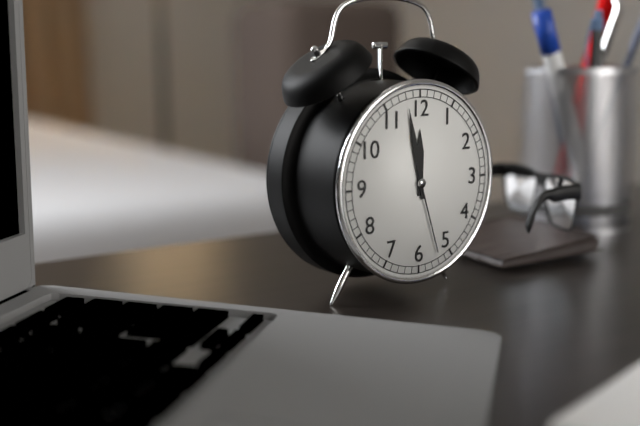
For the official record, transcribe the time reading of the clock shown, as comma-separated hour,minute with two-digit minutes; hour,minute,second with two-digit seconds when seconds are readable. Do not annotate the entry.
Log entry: 11,58,27
